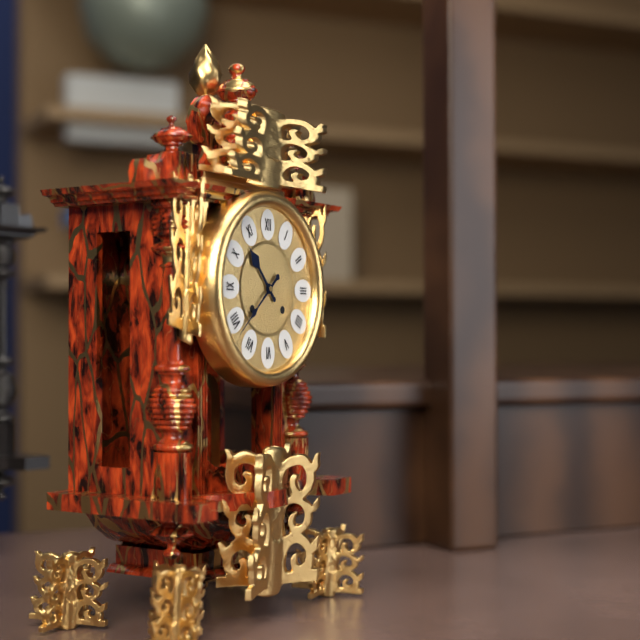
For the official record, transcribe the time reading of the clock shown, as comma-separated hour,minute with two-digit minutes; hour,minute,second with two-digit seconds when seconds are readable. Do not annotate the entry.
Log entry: 10,38
